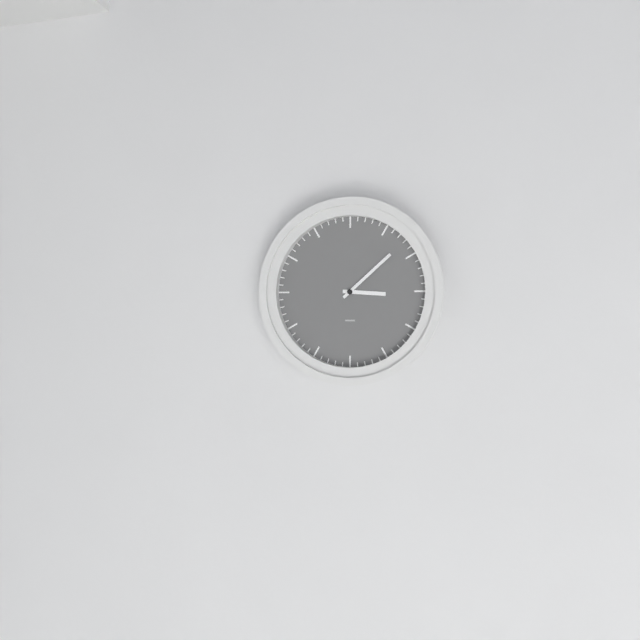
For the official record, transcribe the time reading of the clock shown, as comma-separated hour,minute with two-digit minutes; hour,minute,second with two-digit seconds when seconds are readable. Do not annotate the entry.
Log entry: 3,08
